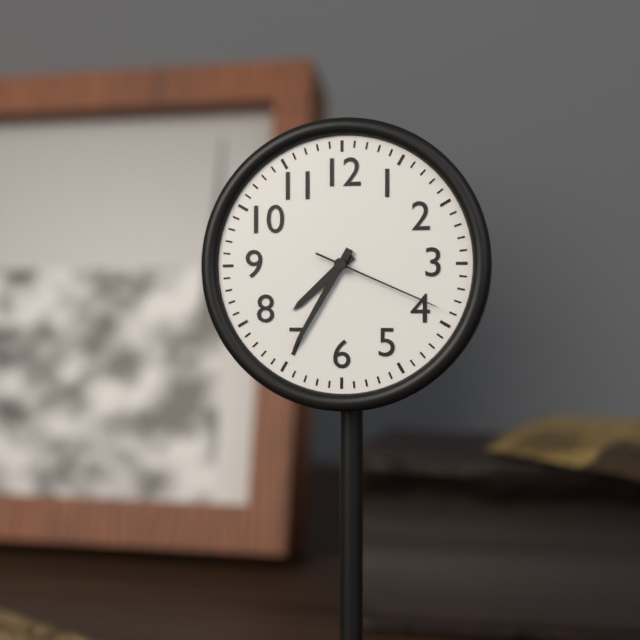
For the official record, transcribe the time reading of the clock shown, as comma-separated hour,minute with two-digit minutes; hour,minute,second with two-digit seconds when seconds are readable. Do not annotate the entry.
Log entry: 7,35,19
